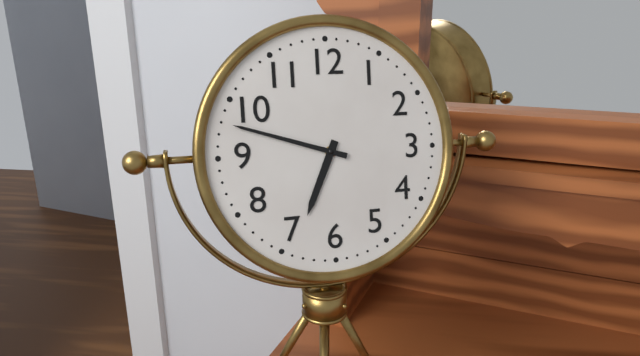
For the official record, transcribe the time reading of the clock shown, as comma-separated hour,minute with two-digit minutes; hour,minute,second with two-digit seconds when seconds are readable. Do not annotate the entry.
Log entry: 6,48
